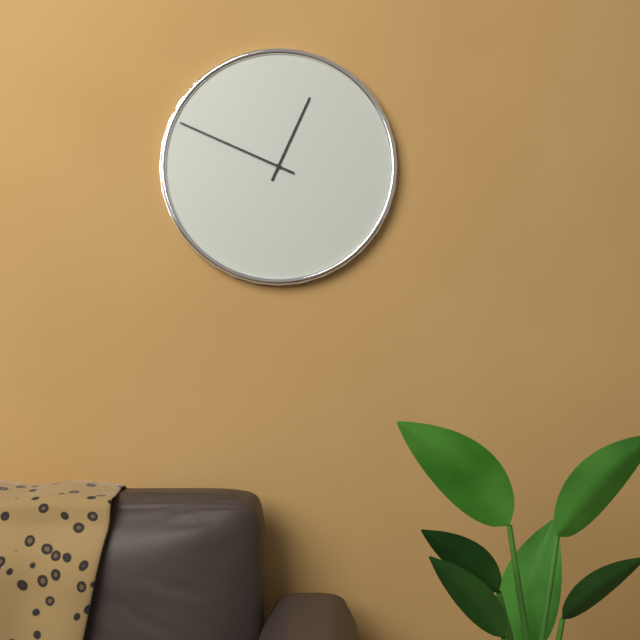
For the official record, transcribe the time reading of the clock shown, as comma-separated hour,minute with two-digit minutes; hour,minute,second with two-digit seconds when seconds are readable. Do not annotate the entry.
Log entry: 12,49
